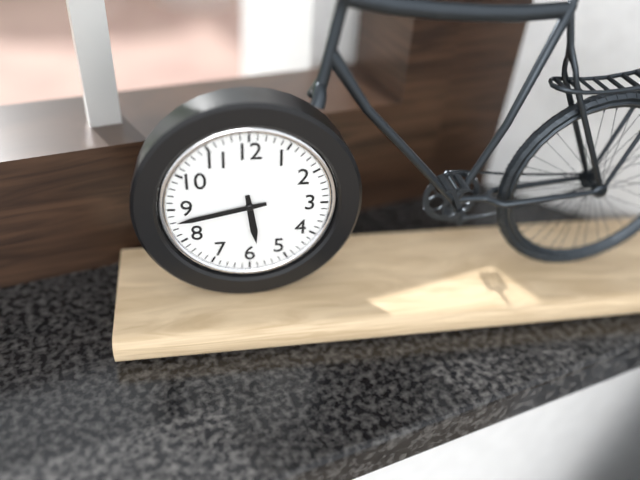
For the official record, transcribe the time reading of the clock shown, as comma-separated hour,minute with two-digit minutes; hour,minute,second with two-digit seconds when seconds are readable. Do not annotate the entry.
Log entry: 5,43
